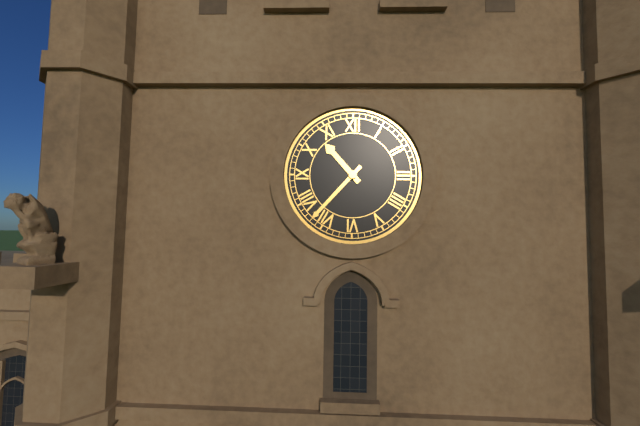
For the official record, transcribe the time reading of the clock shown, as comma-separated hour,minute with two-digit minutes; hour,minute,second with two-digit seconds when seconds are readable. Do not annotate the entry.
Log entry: 10,37
